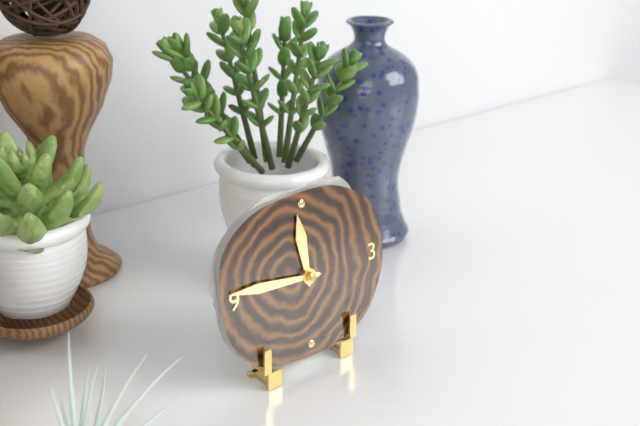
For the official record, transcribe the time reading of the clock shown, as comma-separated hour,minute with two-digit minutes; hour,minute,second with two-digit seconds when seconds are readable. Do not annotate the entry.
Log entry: 11,46
